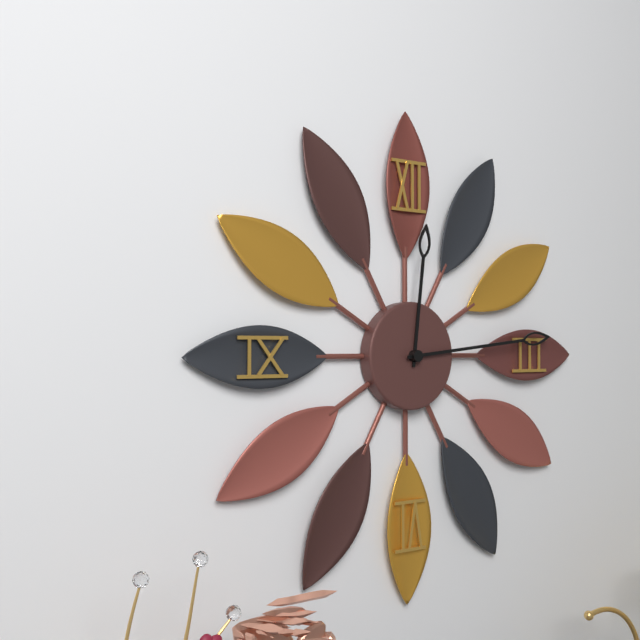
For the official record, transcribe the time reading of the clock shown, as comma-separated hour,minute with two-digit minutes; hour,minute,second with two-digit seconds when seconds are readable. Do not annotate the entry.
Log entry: 12,14
